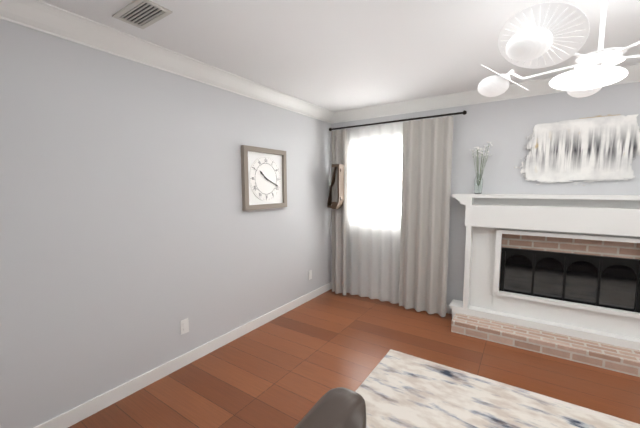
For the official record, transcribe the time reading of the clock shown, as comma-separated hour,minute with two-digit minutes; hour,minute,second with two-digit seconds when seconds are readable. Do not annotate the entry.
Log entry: 10,19
